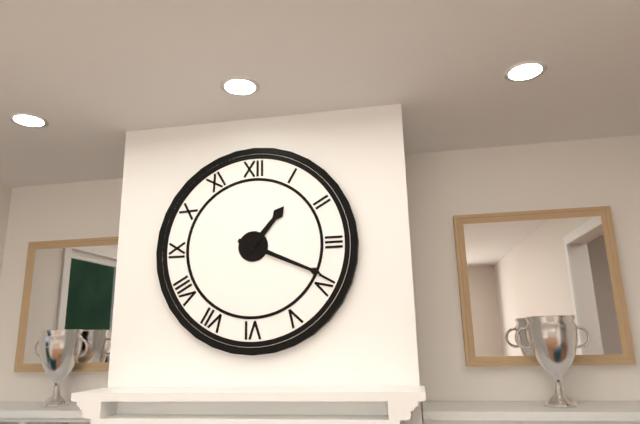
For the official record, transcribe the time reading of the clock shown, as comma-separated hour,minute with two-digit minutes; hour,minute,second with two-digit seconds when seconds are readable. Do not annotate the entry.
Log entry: 1,19
